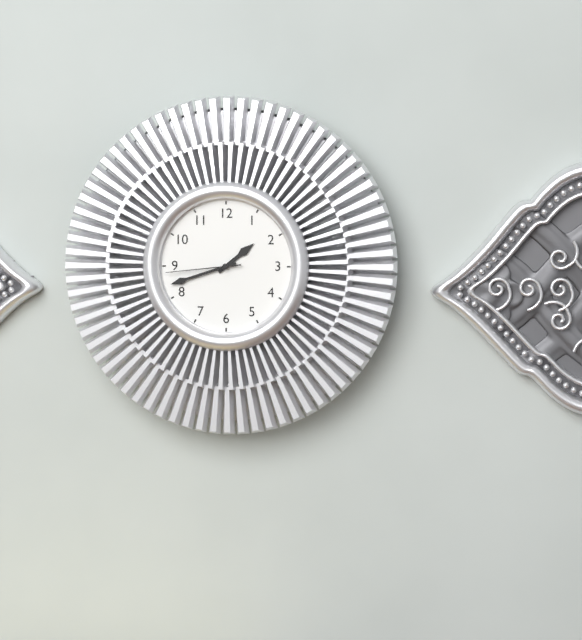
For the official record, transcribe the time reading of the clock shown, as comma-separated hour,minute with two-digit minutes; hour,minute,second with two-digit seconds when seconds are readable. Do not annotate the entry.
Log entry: 1,42,44
